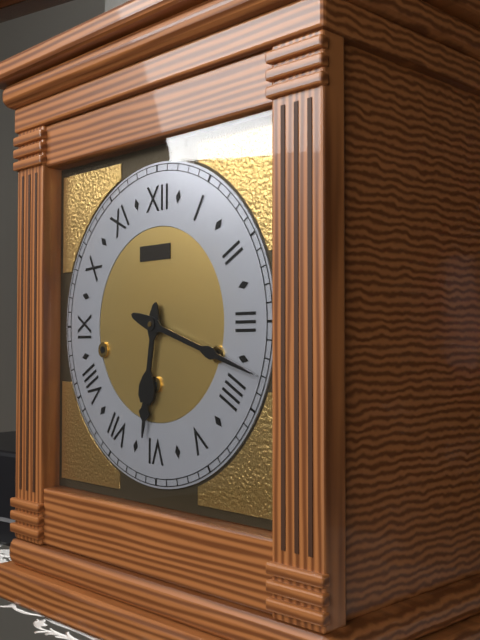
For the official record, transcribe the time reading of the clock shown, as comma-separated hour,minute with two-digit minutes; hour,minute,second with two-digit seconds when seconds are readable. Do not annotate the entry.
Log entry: 6,18
